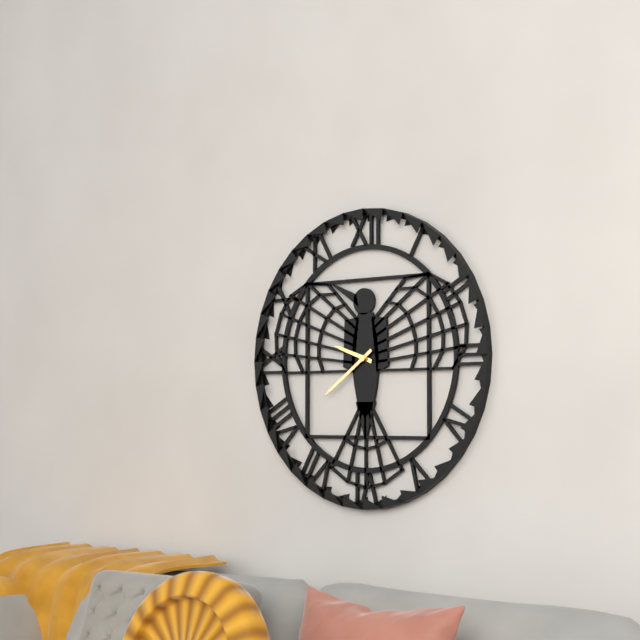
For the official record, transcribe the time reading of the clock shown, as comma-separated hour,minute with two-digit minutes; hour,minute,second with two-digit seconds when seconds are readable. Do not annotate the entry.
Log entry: 9,39
